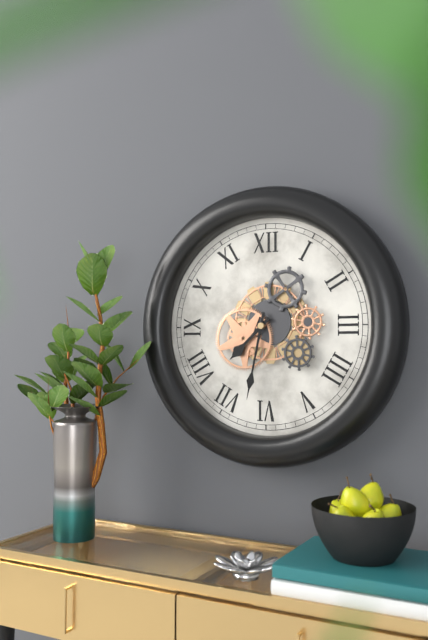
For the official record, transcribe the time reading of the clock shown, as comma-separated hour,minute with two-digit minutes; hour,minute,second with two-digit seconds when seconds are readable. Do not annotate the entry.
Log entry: 7,32
